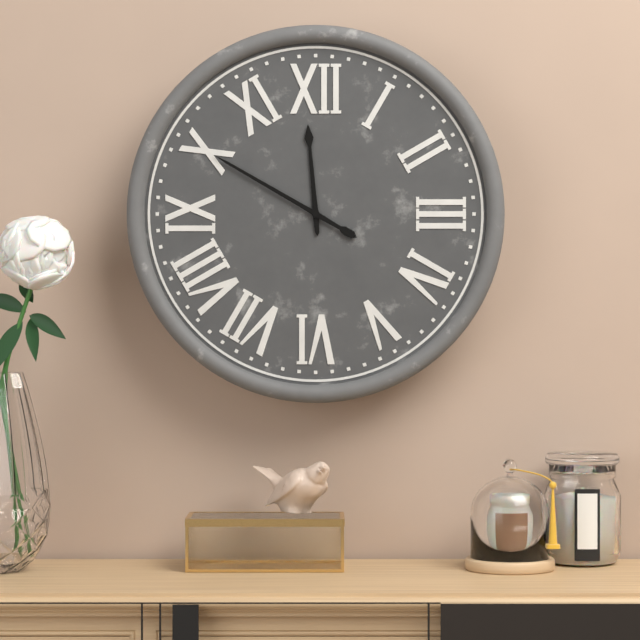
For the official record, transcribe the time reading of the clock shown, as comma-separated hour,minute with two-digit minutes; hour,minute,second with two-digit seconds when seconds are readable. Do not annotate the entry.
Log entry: 11,50
